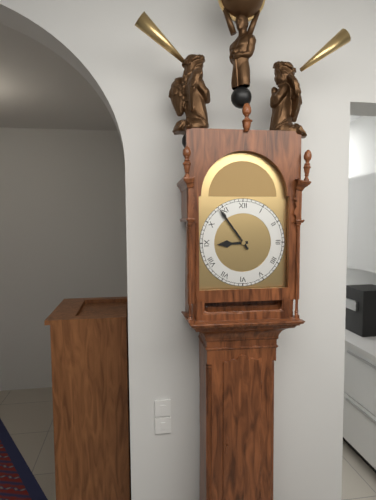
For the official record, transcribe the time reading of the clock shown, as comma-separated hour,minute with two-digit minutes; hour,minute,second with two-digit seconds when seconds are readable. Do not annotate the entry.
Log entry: 8,54
